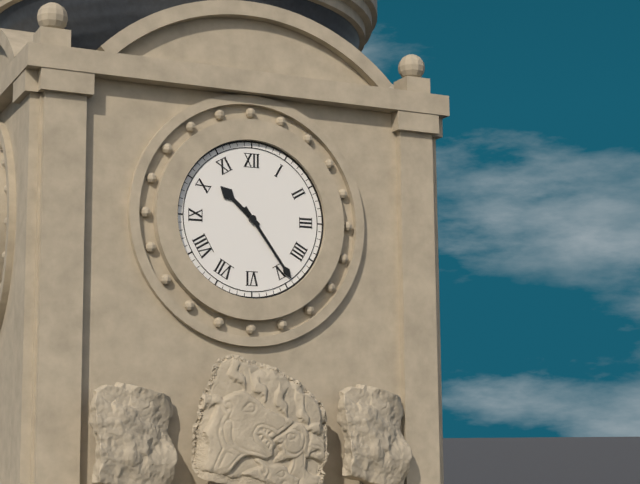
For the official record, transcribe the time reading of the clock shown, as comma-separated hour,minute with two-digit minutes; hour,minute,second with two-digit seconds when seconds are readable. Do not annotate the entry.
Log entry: 10,24
